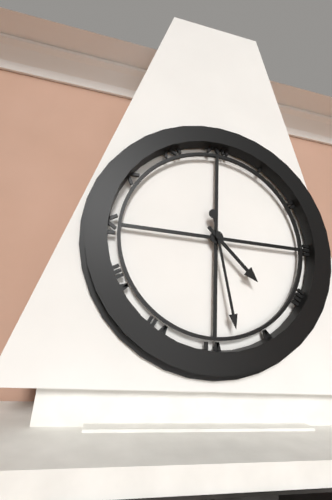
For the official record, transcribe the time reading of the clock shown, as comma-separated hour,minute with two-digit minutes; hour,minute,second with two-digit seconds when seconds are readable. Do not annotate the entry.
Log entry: 4,28
